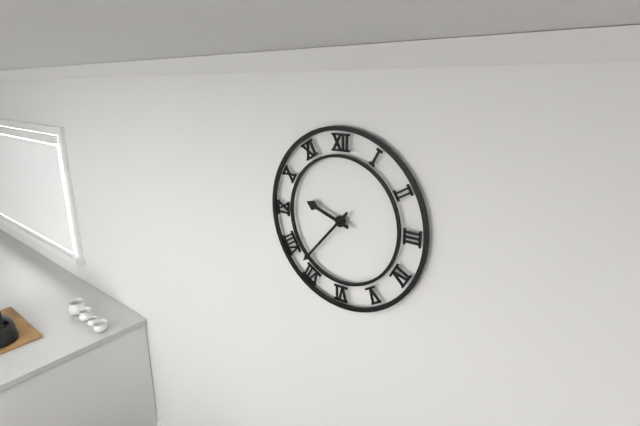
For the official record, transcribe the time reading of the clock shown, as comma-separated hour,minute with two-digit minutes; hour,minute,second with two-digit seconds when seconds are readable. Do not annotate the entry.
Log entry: 9,37
